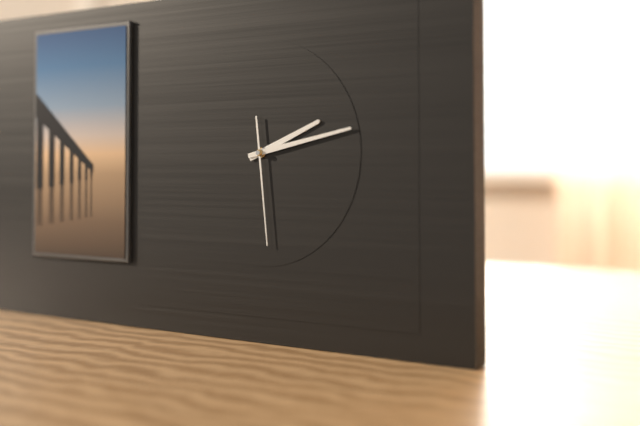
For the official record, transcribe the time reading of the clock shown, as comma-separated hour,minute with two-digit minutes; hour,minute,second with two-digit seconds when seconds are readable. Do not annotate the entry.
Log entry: 2,13,29
